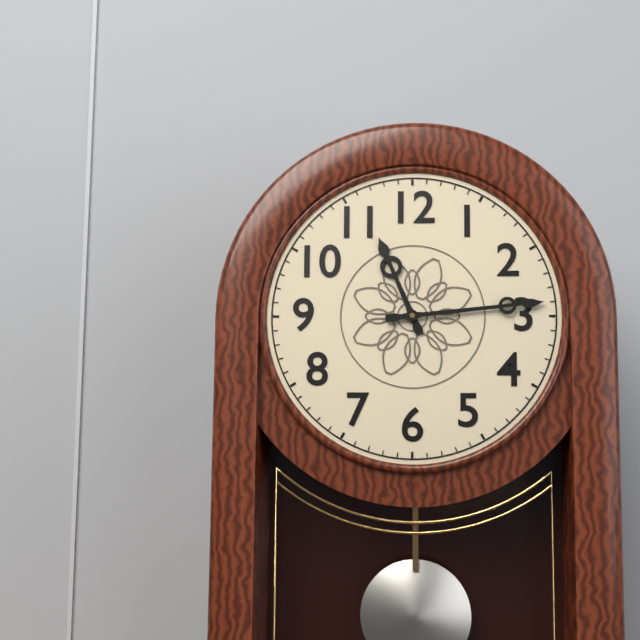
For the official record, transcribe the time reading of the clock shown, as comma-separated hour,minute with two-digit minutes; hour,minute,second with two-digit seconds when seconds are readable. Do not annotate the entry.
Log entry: 11,14
